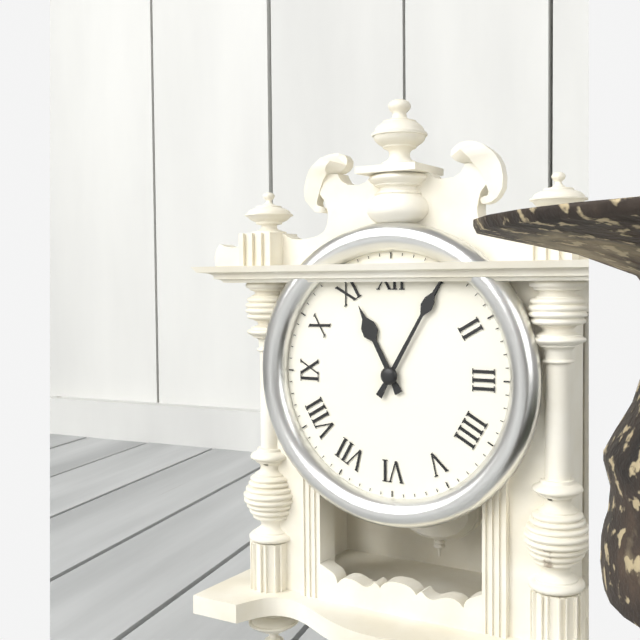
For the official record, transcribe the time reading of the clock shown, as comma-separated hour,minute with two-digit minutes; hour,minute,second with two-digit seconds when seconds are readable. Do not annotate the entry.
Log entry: 11,05
